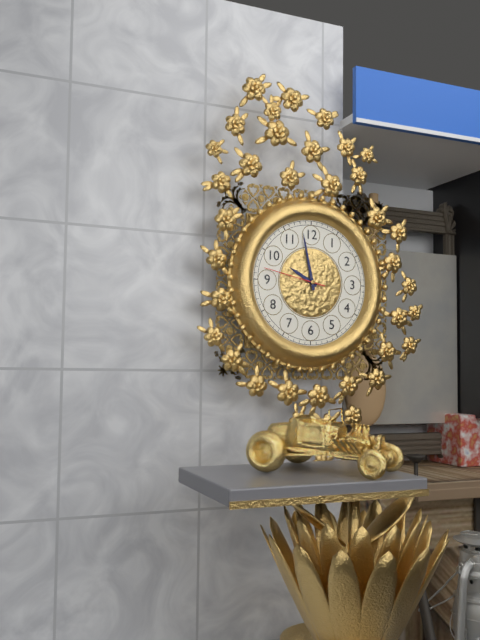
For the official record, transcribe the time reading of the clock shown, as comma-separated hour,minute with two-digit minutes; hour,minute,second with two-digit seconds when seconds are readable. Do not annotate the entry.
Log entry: 9,58,47
